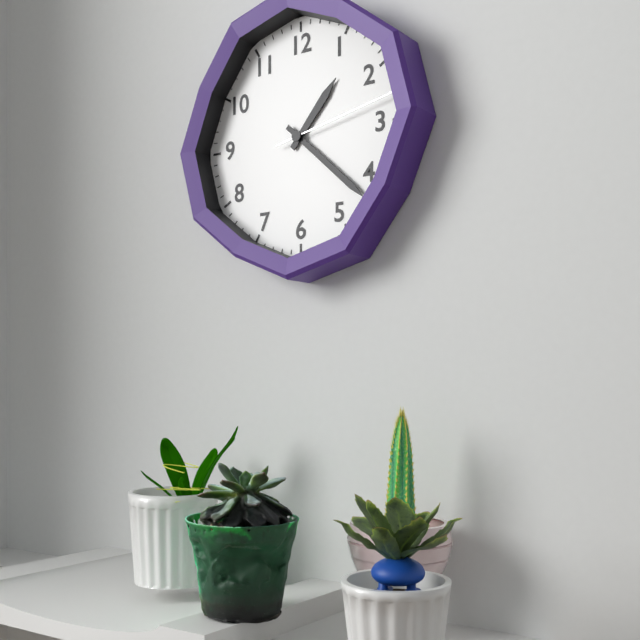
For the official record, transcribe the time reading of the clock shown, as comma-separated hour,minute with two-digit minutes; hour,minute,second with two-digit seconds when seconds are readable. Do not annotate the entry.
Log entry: 1,22,13
